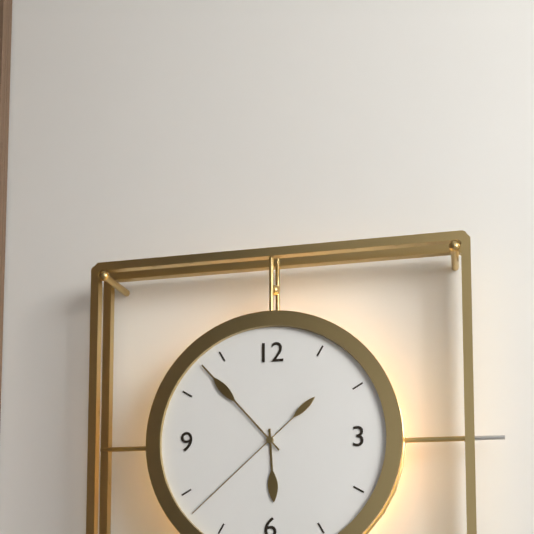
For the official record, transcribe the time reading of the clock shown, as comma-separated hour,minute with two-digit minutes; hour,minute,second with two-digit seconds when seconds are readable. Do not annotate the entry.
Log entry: 5,53,38
